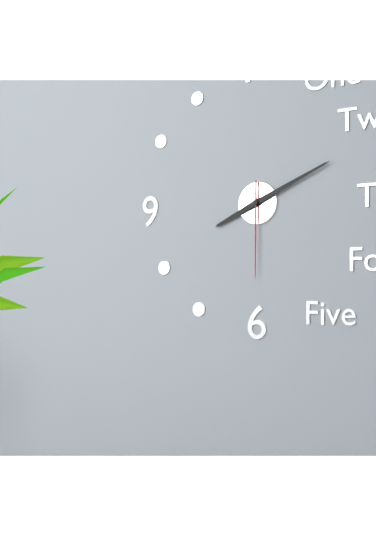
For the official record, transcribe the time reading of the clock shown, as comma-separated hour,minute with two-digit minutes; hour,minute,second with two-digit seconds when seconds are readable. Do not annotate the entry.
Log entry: 8,11,30
